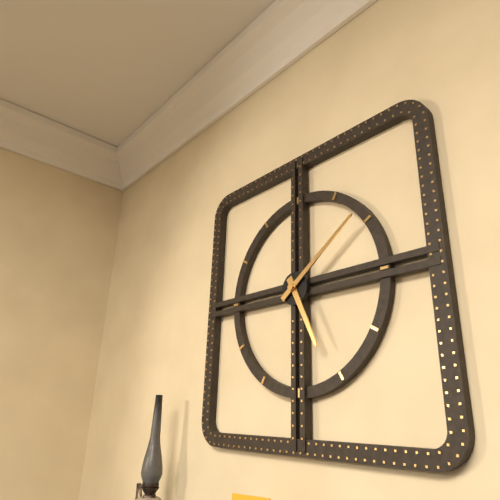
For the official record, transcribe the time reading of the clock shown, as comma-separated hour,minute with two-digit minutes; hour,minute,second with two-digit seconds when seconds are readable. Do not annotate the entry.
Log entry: 5,09
